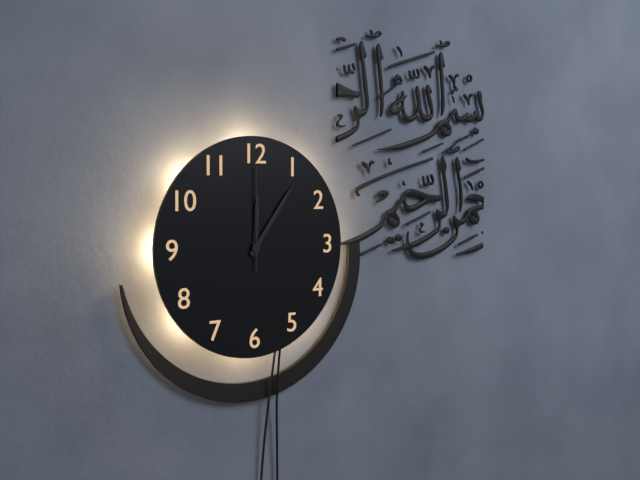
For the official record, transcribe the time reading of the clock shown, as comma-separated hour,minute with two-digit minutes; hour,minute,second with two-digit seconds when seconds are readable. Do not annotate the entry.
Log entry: 12,06,00
